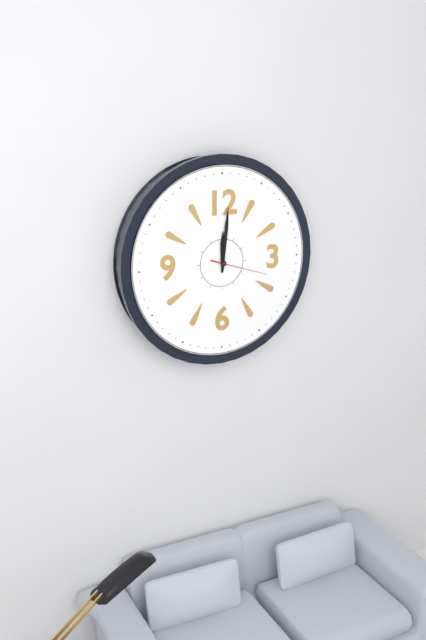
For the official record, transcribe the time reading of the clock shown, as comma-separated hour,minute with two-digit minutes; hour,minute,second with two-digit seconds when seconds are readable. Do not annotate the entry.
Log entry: 12,01,18
